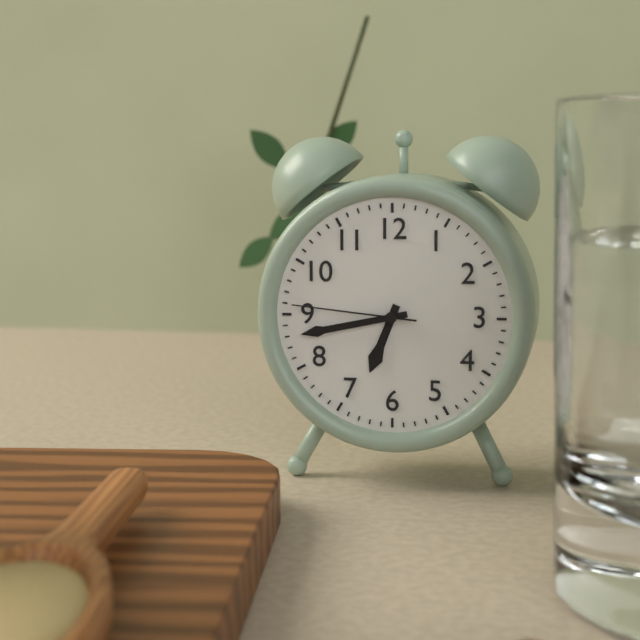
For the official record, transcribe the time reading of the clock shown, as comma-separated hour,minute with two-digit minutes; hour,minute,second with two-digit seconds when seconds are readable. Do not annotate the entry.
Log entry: 6,43,46
